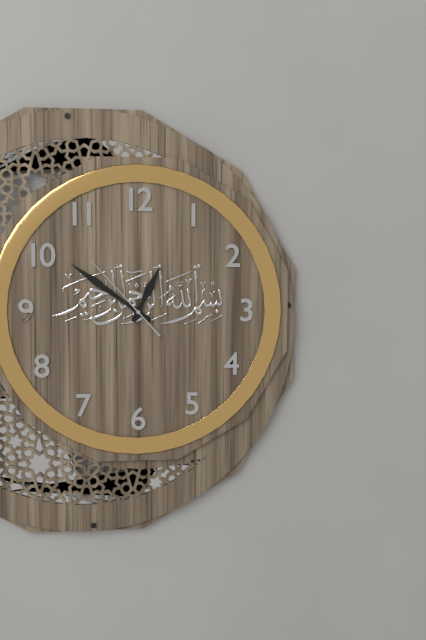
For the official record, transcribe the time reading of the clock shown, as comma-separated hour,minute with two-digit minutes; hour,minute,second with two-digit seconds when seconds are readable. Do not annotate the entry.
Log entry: 12,51,53
